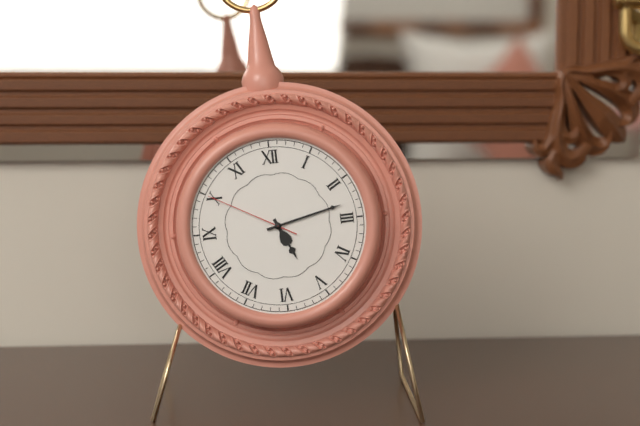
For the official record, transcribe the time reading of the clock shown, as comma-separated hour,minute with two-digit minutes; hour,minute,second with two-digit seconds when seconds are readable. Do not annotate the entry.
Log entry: 5,13,50
